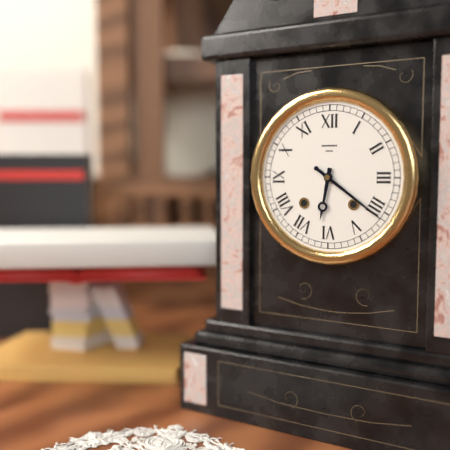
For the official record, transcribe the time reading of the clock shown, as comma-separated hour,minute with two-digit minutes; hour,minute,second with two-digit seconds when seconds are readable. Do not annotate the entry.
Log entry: 6,21
